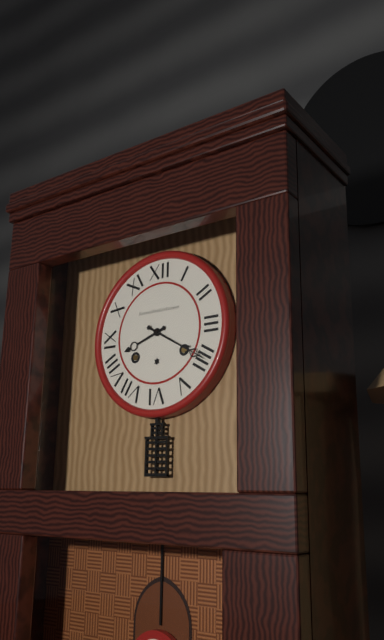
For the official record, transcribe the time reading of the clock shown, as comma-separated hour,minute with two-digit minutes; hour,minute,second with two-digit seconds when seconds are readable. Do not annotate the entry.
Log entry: 8,20
